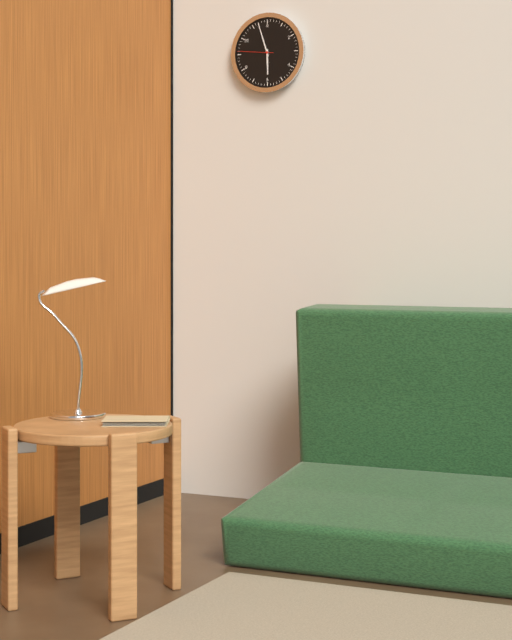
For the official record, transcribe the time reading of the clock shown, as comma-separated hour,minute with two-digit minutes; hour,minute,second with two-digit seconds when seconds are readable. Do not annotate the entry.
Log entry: 5,57
